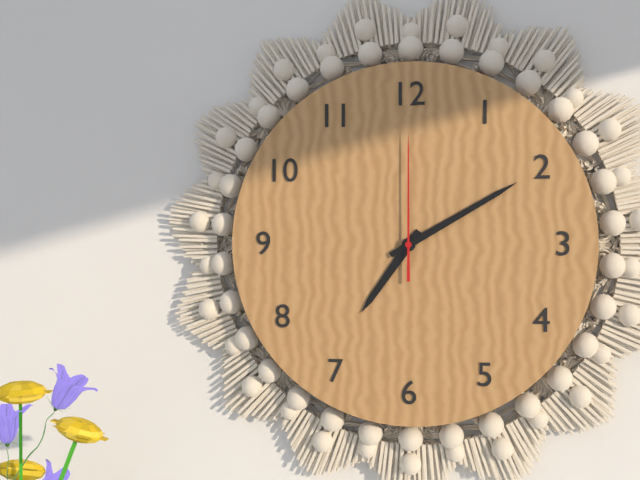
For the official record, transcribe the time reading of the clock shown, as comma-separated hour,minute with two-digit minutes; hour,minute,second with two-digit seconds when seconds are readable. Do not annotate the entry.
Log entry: 7,10,00
